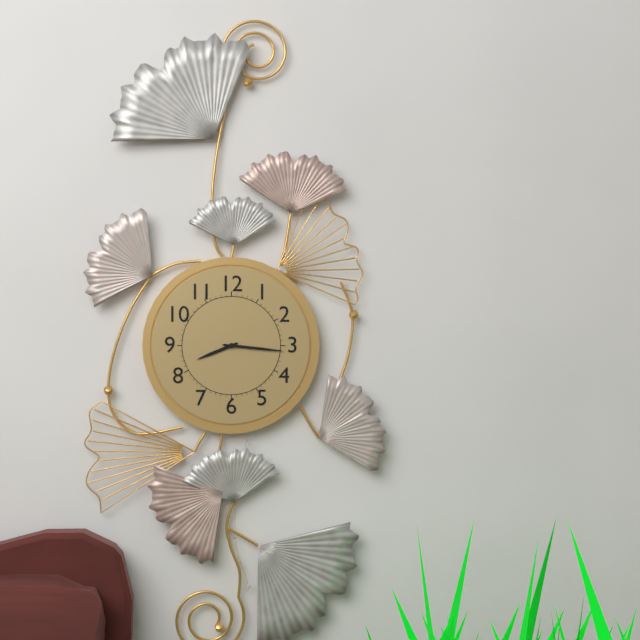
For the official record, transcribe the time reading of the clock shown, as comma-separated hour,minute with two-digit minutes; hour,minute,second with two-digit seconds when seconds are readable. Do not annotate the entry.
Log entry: 8,16
